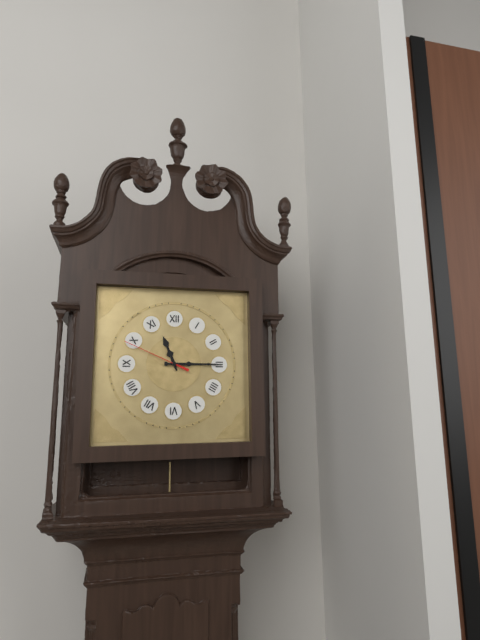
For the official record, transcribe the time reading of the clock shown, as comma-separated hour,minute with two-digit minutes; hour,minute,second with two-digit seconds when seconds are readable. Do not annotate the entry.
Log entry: 11,15,49
